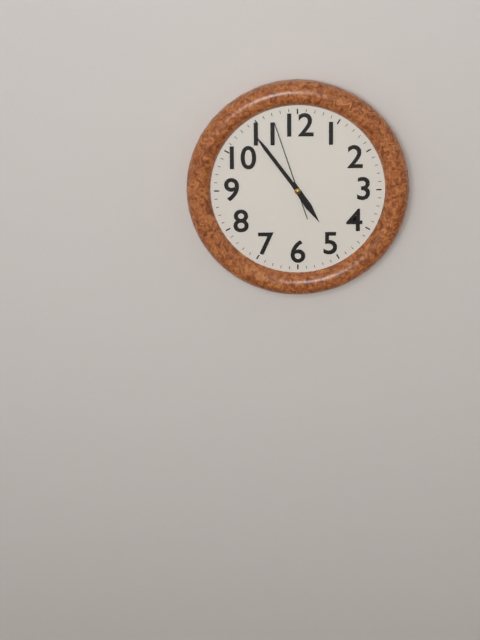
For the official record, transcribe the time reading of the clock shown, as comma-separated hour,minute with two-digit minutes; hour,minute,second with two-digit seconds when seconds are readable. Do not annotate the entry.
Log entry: 4,54,57
